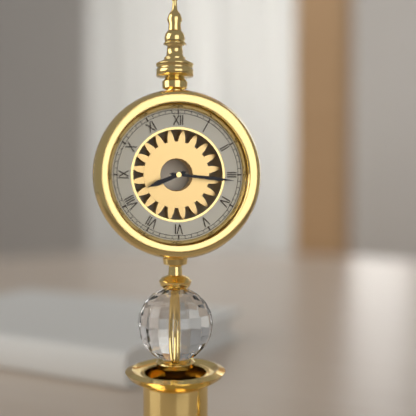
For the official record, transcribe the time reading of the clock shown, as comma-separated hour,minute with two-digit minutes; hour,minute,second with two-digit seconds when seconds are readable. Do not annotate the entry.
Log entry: 8,16
